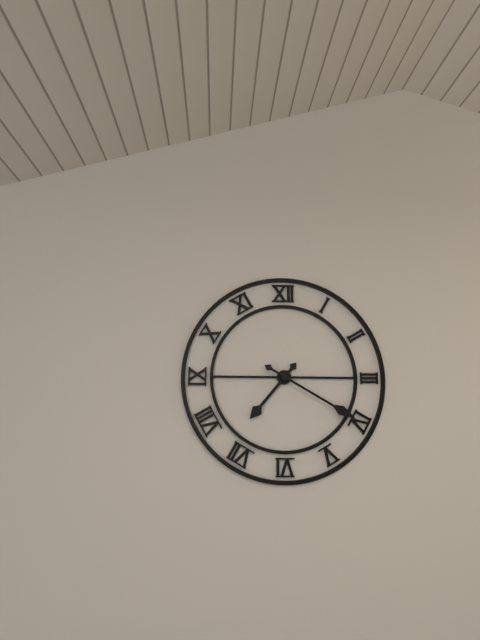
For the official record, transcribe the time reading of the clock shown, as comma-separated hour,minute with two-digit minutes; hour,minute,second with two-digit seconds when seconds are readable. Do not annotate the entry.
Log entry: 7,20
